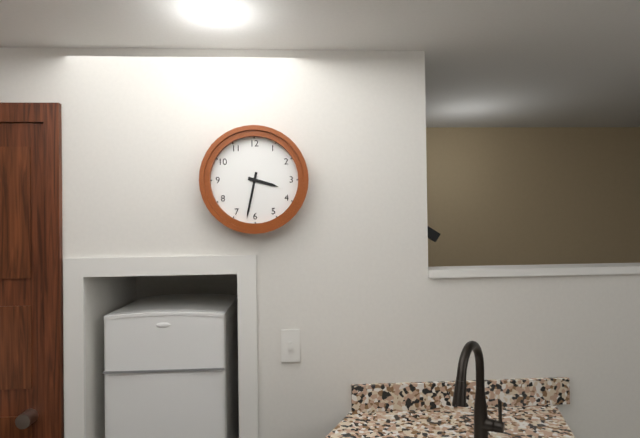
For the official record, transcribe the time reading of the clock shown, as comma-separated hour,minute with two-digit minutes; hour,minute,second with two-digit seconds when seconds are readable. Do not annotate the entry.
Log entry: 3,32
